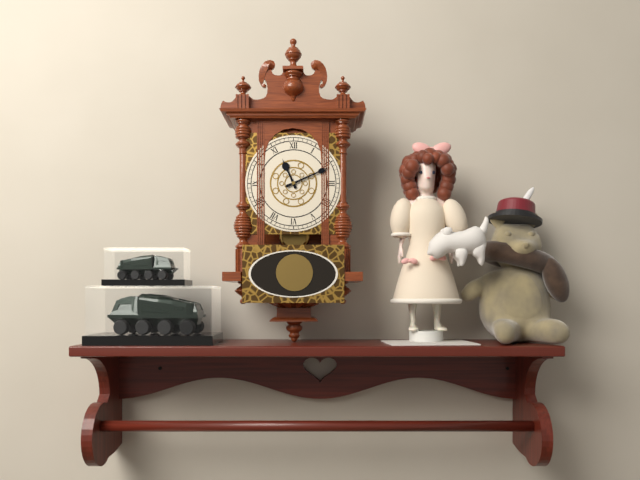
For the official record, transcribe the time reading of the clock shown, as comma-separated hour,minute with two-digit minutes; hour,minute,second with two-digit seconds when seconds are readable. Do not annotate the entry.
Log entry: 11,11
